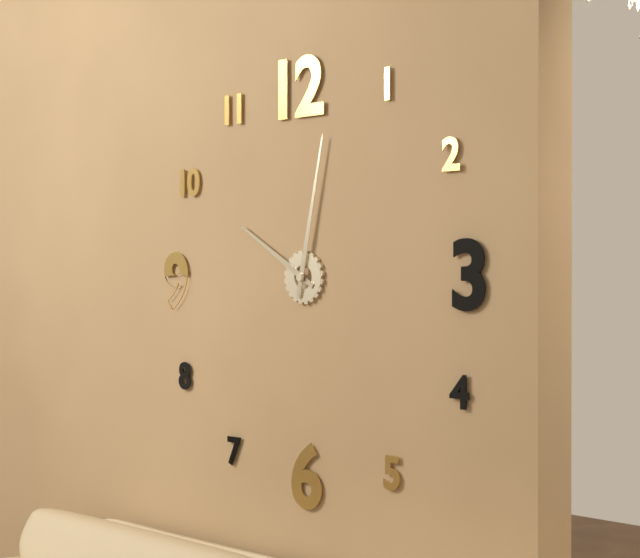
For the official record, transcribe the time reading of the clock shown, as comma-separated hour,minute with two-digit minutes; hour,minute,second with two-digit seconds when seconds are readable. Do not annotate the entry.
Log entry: 10,02
